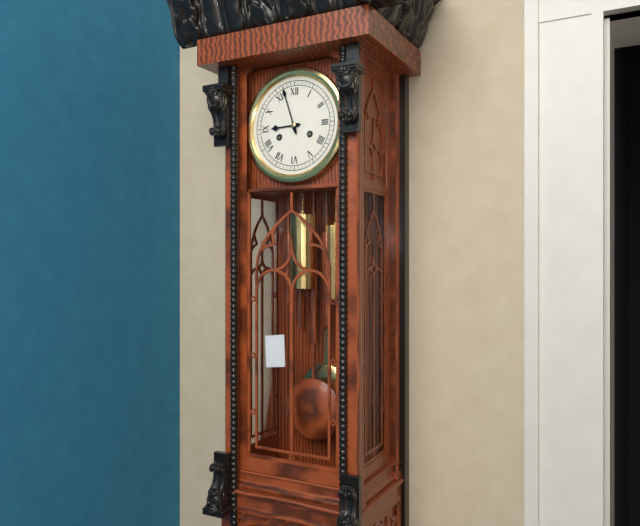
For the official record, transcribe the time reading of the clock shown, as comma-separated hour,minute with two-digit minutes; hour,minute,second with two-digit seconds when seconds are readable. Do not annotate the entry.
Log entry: 8,57
